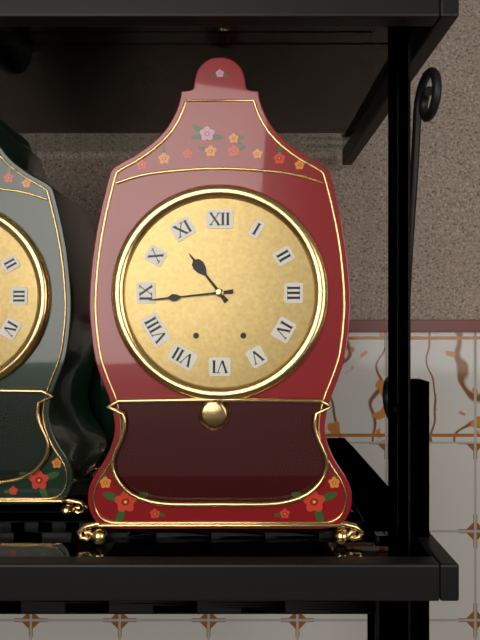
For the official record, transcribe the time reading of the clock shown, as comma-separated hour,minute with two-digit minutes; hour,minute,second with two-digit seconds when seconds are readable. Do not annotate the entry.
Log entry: 10,44
